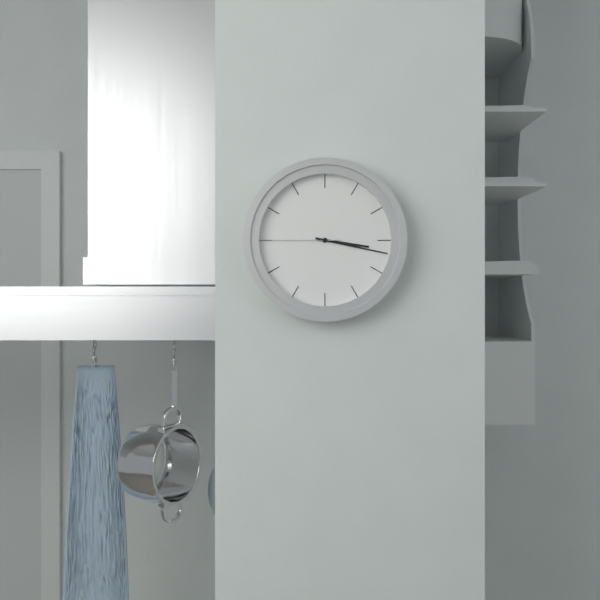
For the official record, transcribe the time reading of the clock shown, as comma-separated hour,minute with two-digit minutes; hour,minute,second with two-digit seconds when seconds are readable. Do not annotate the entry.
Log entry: 3,17,45
